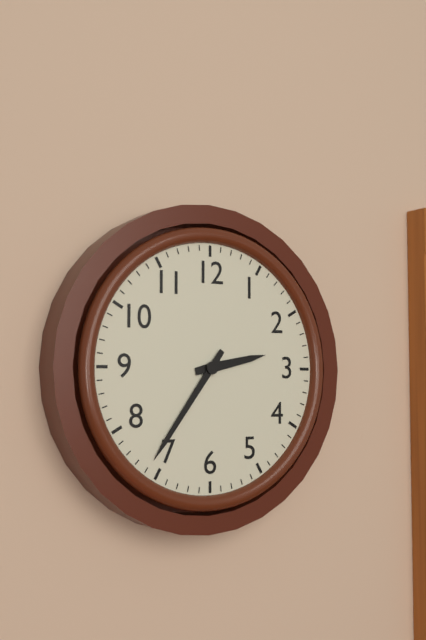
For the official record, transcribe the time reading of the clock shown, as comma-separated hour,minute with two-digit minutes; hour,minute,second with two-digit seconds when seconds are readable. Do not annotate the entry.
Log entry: 2,36
